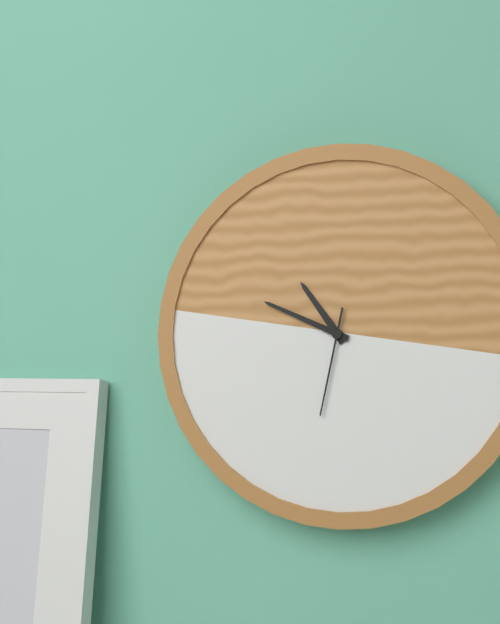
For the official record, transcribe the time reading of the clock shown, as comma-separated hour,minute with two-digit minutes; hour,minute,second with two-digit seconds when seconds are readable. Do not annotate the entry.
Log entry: 10,49,32
